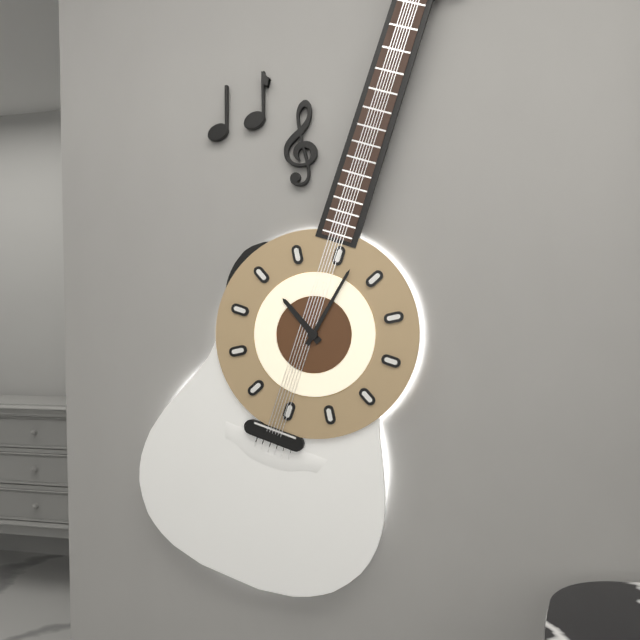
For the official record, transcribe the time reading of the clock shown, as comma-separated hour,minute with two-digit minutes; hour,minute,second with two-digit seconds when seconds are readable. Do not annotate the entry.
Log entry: 10,02
